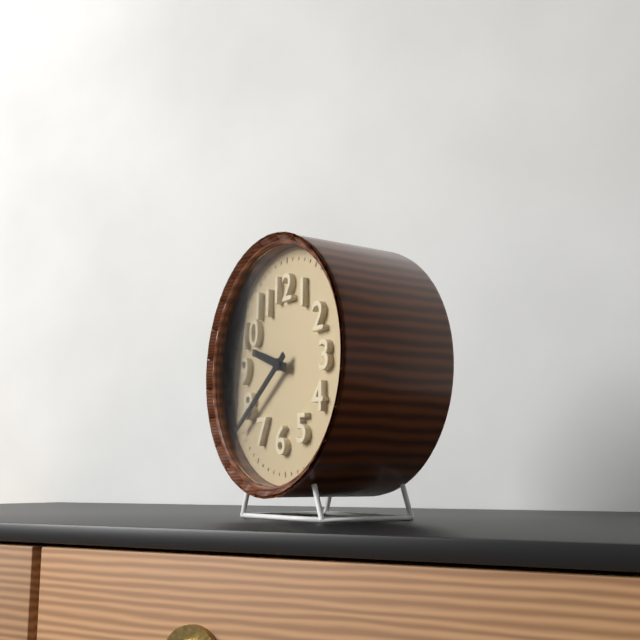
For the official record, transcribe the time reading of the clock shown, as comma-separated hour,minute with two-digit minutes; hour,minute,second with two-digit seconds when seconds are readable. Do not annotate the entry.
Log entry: 9,39
